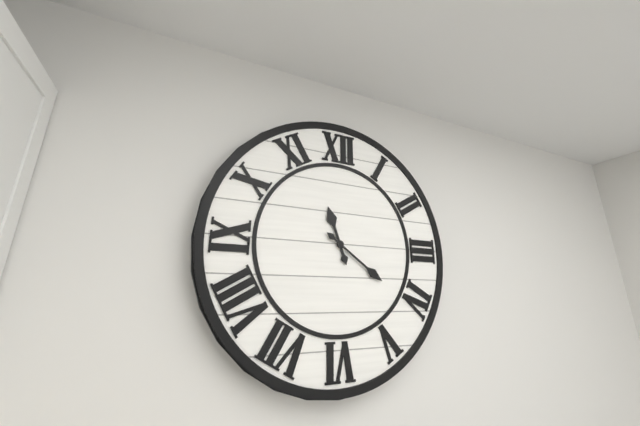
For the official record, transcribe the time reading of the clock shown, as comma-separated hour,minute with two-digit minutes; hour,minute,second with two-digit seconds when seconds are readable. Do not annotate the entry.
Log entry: 11,21
